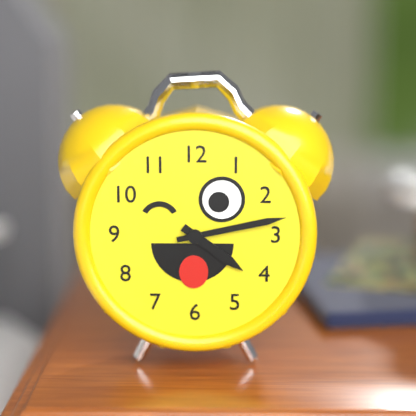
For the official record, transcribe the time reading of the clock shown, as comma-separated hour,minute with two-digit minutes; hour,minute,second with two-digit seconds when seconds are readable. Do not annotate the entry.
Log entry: 4,13
